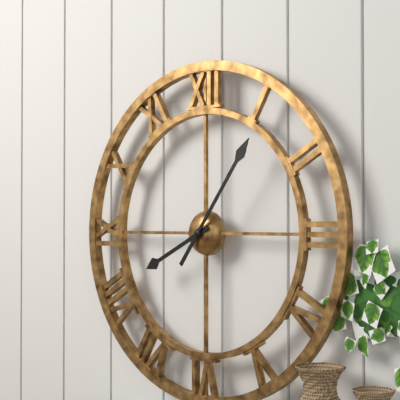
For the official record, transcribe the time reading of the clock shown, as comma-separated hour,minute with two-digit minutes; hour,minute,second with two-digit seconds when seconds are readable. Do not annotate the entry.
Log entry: 8,06
